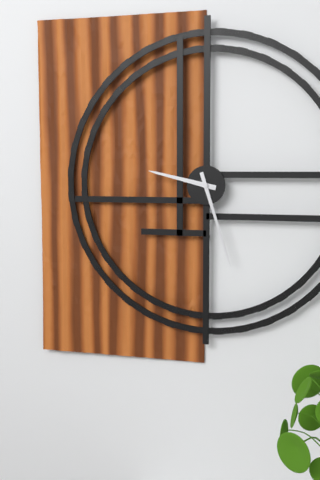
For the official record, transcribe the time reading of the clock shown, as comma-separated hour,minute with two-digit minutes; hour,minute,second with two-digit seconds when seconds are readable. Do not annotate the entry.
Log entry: 9,27
